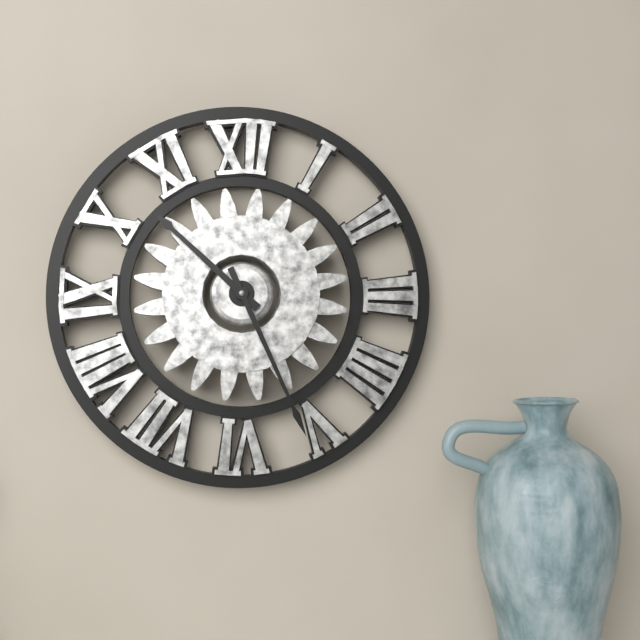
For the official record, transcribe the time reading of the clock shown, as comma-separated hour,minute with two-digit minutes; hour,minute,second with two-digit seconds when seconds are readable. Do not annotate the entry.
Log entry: 10,26
